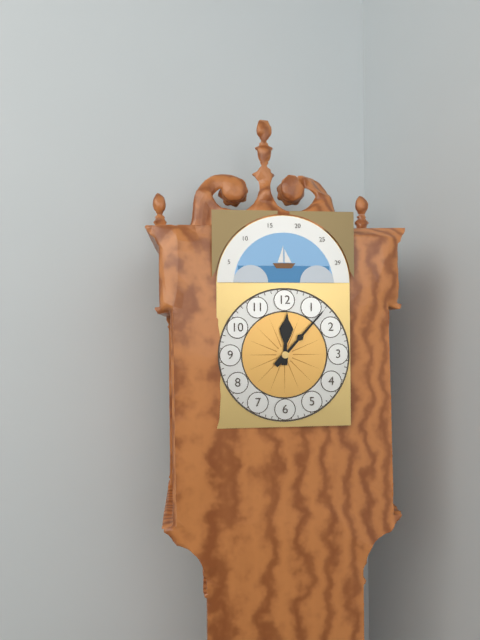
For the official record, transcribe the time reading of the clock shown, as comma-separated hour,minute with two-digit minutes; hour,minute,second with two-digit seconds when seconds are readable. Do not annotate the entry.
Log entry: 12,07
